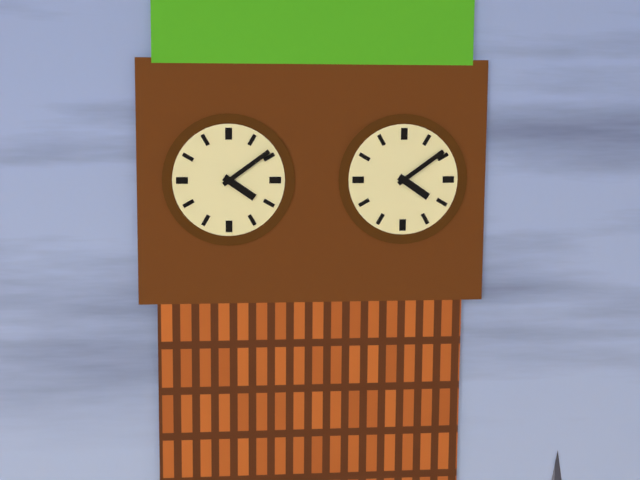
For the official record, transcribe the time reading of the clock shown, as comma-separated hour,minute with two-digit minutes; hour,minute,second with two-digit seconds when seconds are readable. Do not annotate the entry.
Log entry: 4,09
